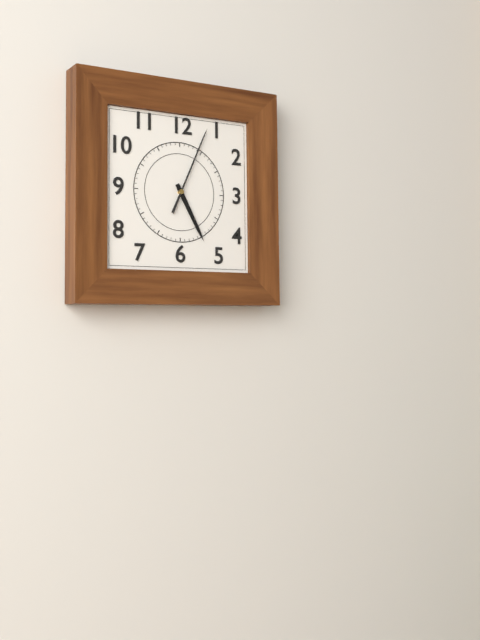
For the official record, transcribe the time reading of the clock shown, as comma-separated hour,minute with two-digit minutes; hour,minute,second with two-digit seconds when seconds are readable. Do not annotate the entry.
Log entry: 5,04
